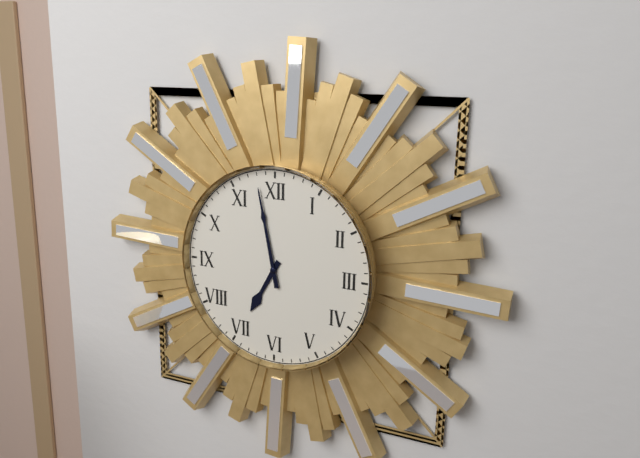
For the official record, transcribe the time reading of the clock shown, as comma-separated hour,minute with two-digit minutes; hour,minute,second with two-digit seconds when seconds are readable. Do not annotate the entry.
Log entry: 6,58
